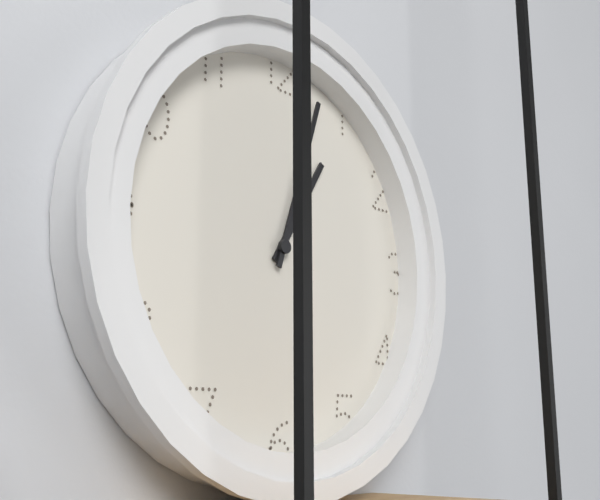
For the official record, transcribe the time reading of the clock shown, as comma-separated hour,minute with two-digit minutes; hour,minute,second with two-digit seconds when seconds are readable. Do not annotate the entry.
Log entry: 1,03
